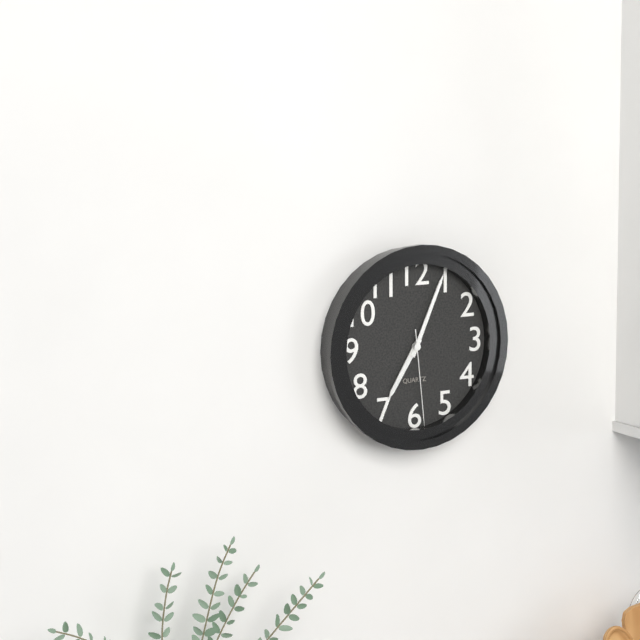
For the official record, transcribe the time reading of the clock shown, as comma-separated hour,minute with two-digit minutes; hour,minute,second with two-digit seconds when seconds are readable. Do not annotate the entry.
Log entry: 7,04,29
